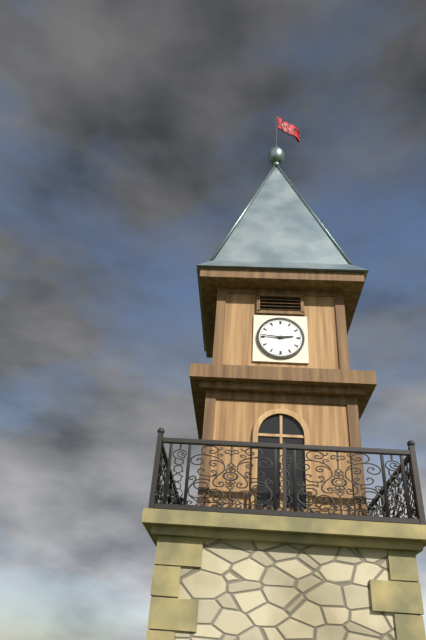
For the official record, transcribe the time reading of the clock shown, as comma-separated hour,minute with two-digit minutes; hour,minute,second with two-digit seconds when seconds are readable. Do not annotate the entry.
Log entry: 2,46
